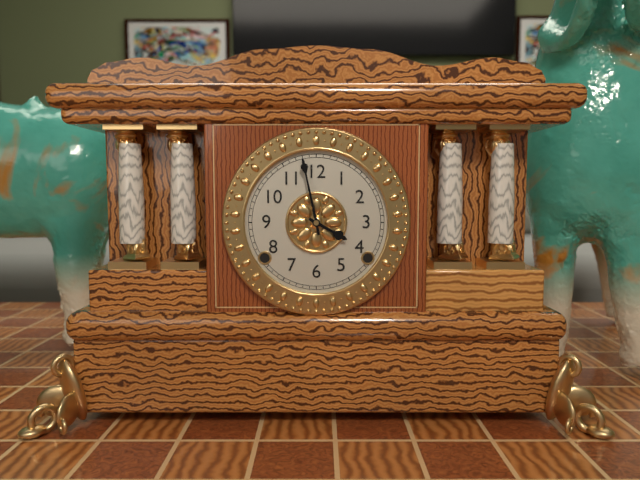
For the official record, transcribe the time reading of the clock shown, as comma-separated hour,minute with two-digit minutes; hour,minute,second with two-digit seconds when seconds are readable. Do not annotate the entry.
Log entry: 3,58
